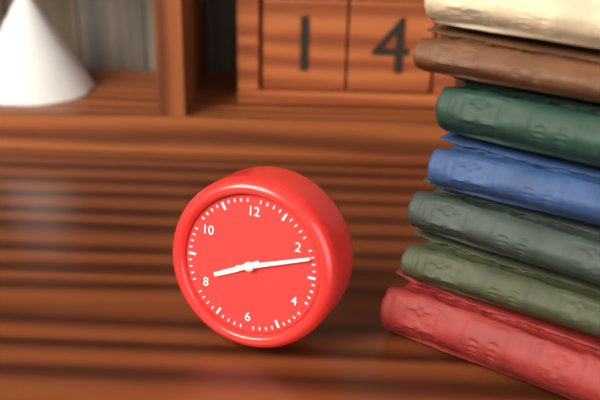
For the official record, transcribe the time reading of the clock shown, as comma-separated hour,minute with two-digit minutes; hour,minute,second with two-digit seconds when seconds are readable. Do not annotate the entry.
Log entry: 8,12
